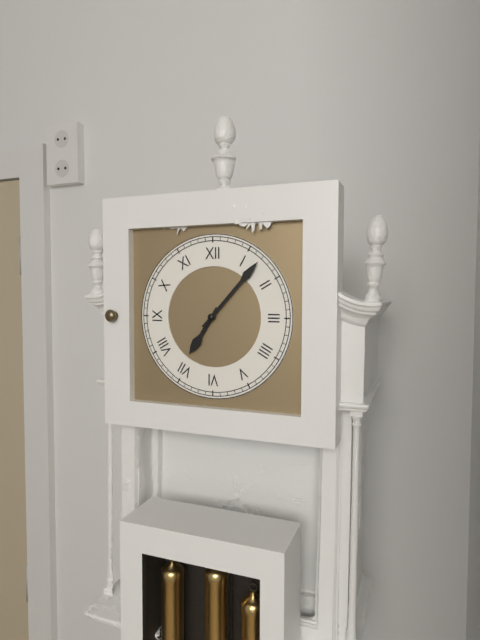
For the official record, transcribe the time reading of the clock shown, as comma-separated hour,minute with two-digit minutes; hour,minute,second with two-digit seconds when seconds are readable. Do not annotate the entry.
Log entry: 7,07
